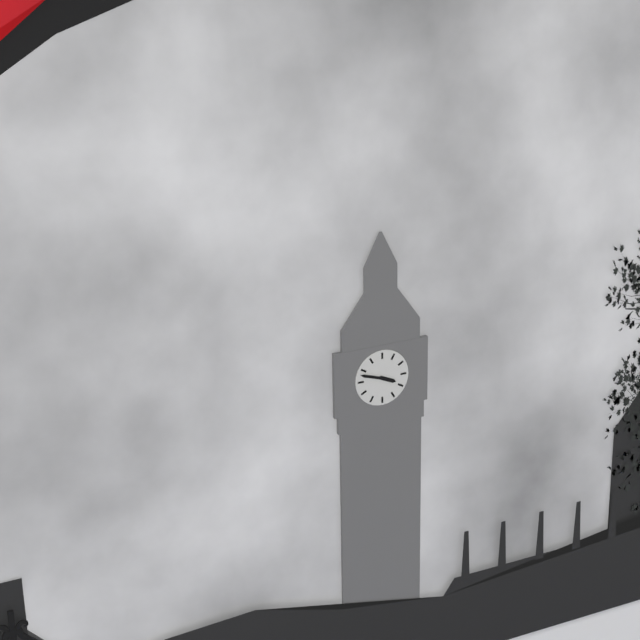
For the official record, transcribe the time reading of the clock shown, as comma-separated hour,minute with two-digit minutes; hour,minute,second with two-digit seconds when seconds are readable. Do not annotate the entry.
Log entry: 3,48
